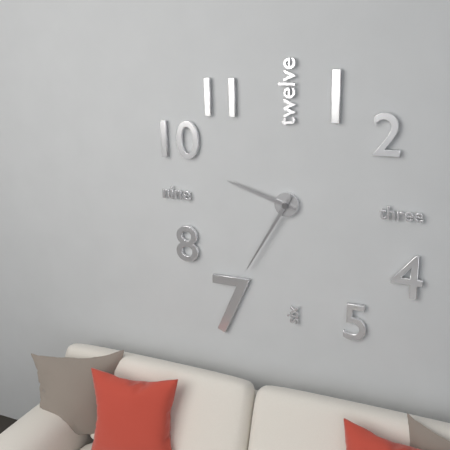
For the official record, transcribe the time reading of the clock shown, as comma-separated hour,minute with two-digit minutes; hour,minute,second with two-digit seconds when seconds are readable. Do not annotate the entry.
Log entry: 9,35
